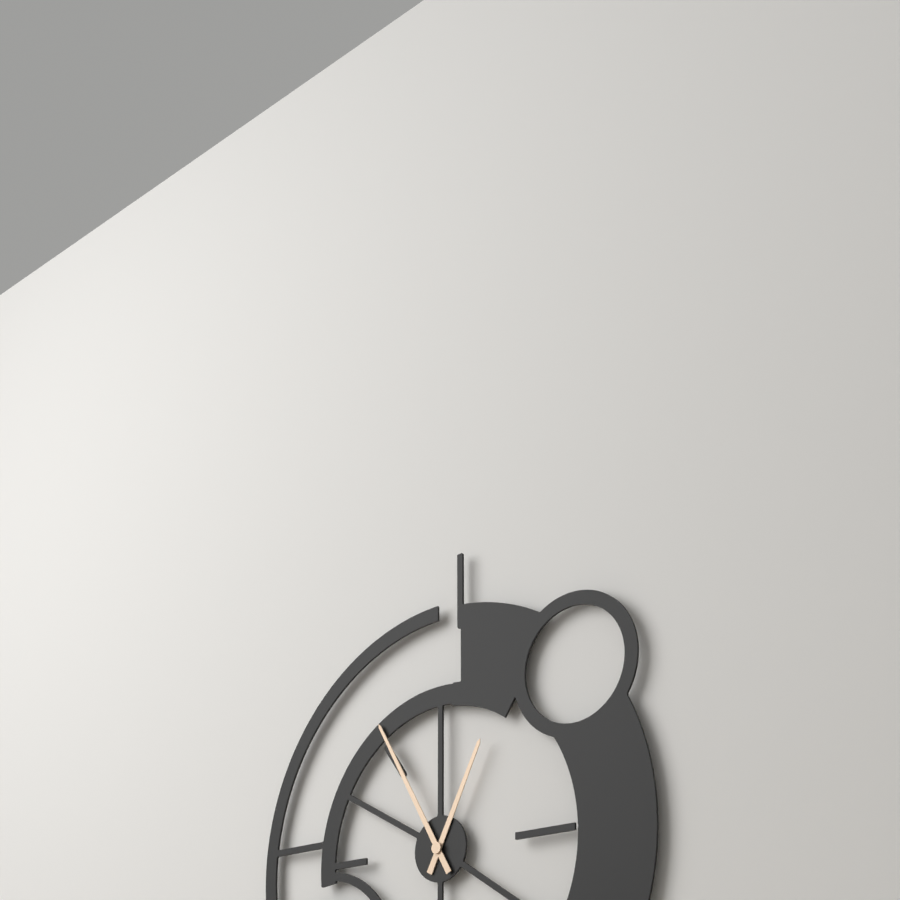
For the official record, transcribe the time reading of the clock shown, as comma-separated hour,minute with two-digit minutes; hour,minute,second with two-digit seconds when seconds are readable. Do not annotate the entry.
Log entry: 12,55
